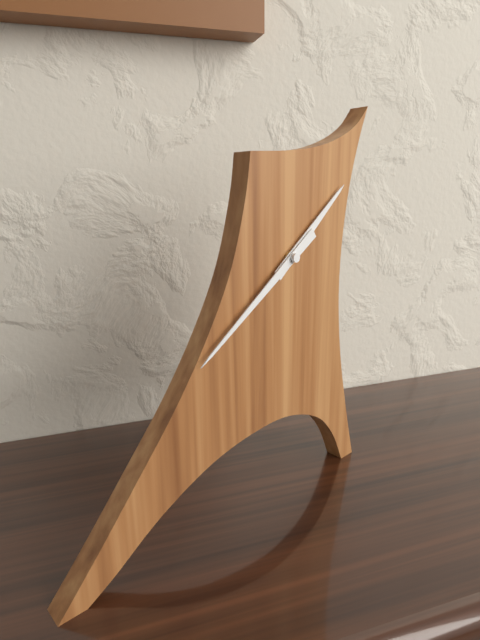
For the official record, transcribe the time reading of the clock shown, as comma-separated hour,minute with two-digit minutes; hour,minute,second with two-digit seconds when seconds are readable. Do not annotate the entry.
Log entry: 1,39
